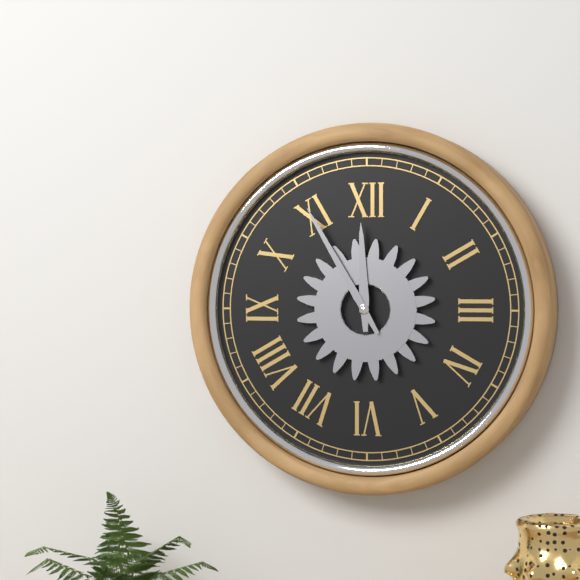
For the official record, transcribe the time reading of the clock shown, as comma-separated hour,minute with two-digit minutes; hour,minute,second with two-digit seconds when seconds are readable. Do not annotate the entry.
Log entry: 11,55
